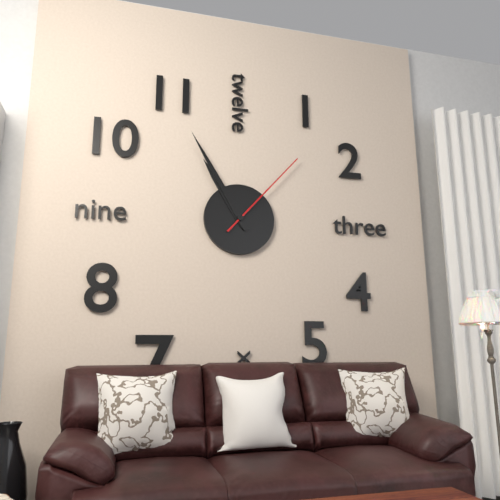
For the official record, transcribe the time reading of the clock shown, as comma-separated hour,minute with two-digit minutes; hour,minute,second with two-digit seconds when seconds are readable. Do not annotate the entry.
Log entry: 10,55,07
